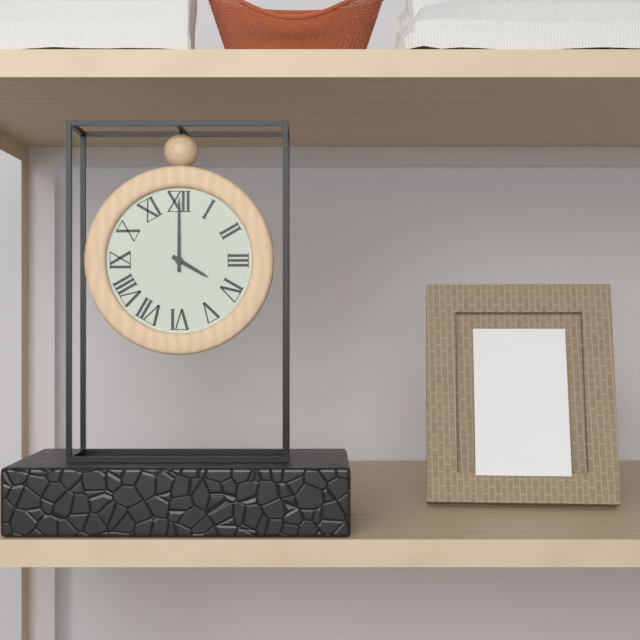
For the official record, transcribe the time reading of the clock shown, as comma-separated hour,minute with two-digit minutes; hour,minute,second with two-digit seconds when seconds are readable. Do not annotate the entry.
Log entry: 4,00
